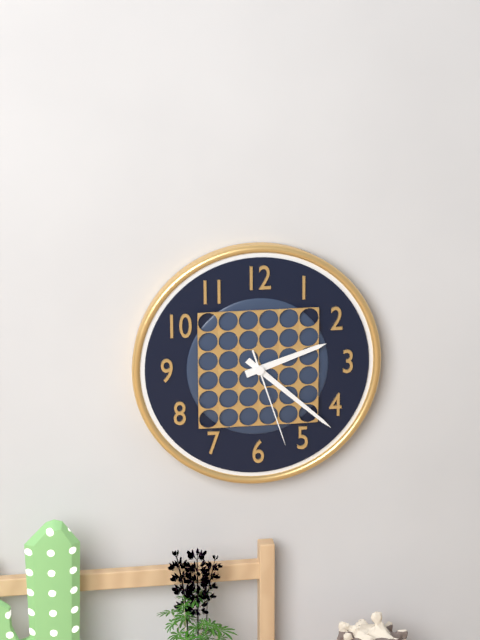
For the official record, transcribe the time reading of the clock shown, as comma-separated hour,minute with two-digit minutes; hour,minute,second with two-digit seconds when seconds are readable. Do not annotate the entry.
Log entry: 2,22,27
